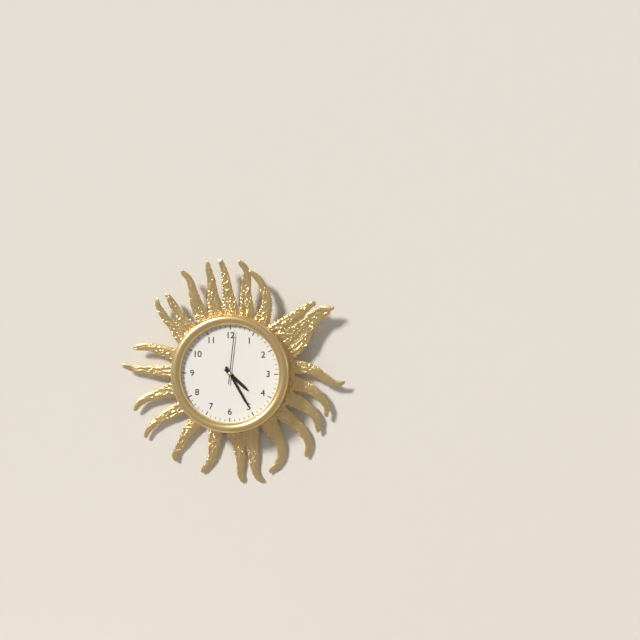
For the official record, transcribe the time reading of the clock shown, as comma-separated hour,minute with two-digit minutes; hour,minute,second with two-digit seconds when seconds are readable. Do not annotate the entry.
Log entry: 4,25,01
